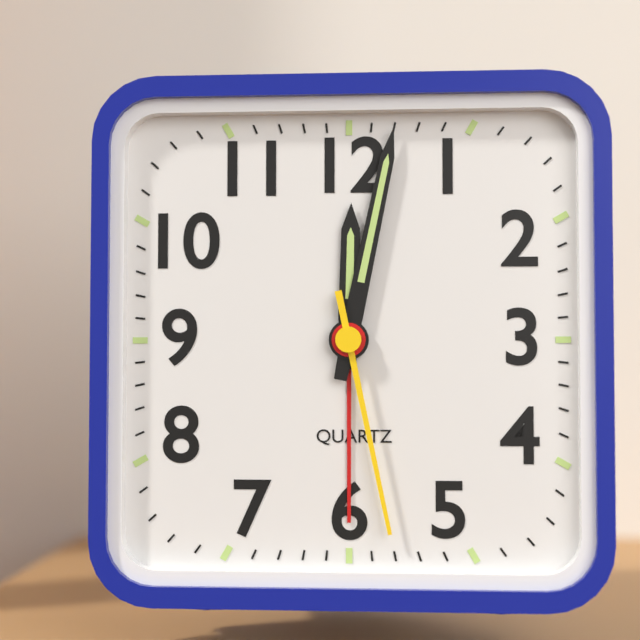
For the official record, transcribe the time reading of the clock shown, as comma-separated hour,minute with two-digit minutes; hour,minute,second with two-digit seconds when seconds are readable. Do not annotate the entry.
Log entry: 12,02,28
